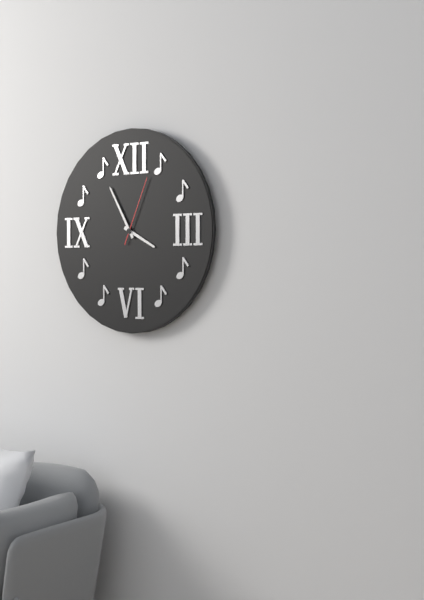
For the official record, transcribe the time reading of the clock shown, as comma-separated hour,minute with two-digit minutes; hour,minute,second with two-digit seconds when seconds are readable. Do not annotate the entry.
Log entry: 3,55,04
